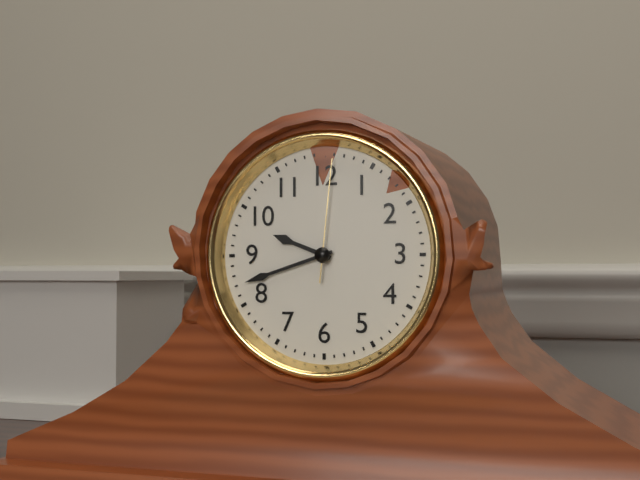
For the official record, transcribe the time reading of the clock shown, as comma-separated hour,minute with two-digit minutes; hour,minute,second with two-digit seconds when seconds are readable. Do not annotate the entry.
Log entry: 9,42,01
